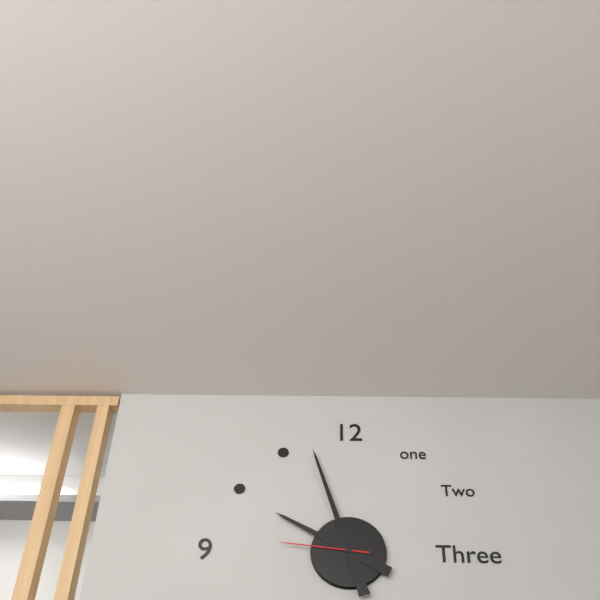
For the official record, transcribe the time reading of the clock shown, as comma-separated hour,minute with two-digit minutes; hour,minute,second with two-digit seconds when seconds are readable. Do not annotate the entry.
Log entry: 9,57,46
